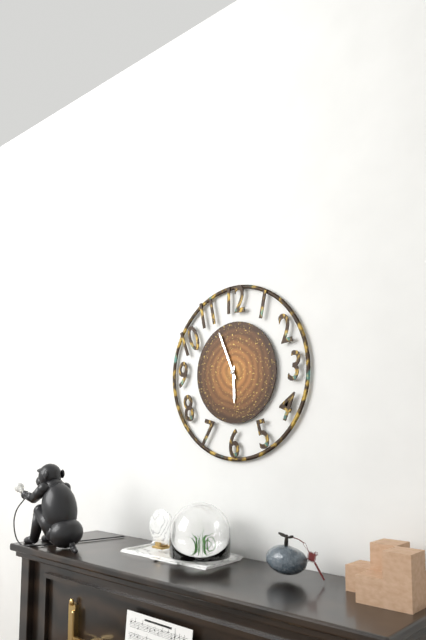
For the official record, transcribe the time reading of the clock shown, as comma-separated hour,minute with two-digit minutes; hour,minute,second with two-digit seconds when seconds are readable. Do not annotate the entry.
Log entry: 5,56
